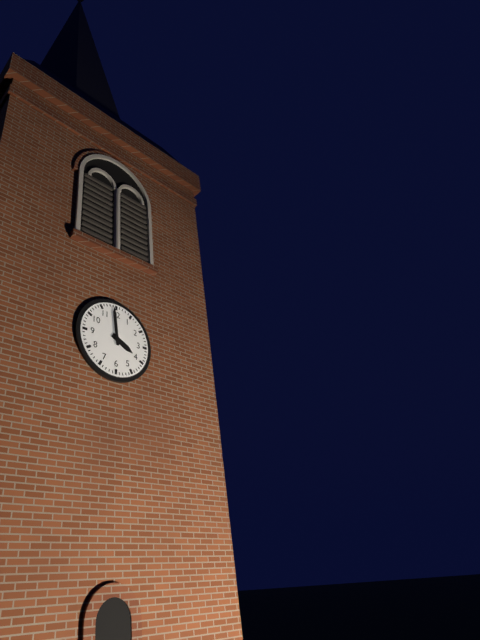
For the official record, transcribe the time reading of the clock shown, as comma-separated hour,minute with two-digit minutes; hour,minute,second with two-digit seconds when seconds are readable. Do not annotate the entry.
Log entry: 3,59
